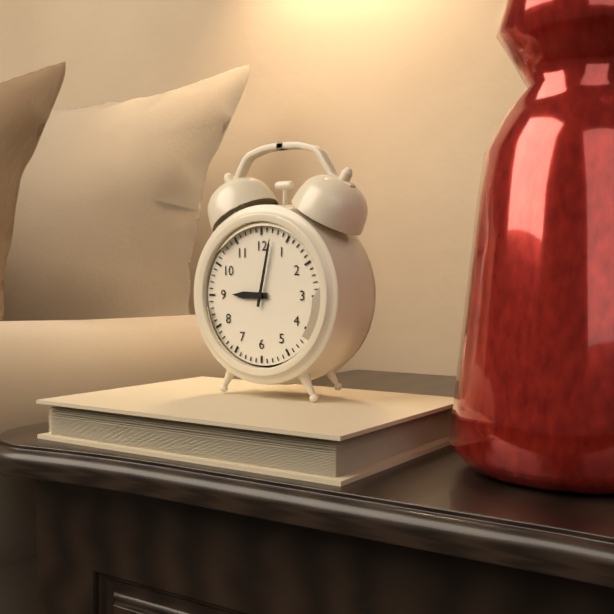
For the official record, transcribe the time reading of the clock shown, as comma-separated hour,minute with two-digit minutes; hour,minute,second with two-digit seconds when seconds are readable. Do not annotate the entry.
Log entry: 9,02
